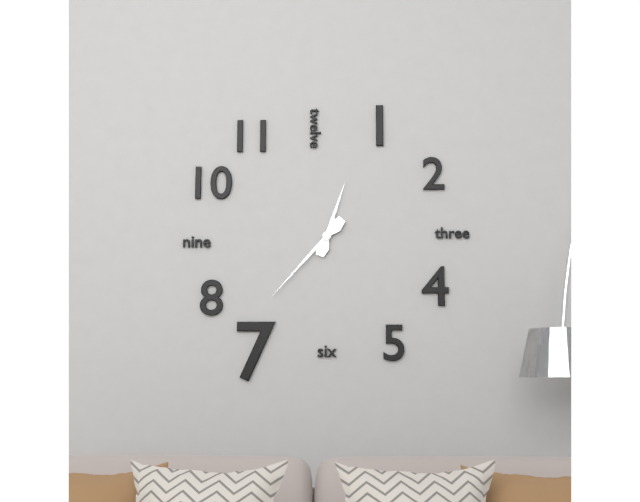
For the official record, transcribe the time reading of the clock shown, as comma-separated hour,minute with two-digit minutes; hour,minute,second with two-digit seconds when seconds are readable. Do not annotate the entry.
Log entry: 12,37
